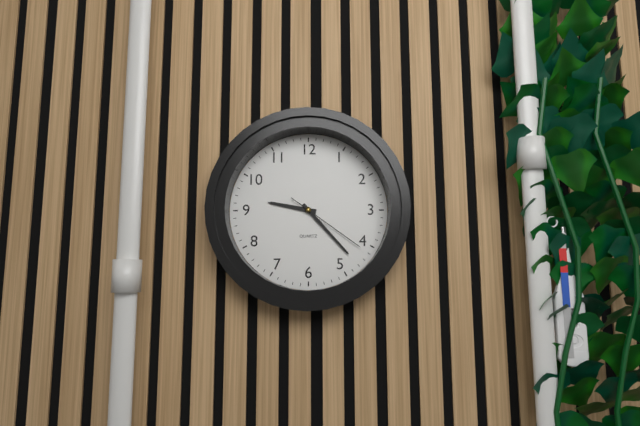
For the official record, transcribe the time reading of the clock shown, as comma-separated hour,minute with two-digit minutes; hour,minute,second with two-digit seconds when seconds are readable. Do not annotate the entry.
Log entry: 9,23,21
